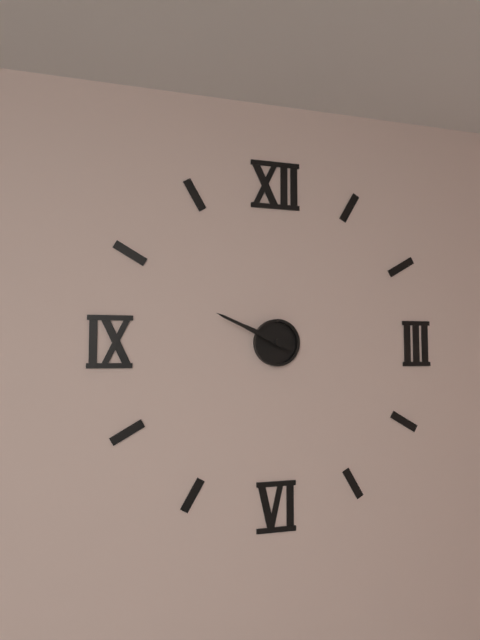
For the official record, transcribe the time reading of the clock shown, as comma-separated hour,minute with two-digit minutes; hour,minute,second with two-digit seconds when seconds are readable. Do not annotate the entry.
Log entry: 9,49
